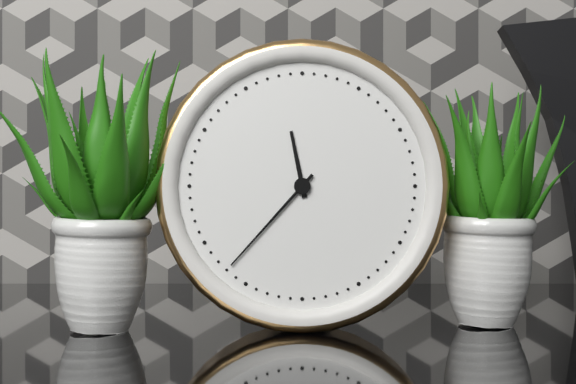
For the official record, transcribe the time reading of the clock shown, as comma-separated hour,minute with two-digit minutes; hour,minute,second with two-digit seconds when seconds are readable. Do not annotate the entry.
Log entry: 11,37
